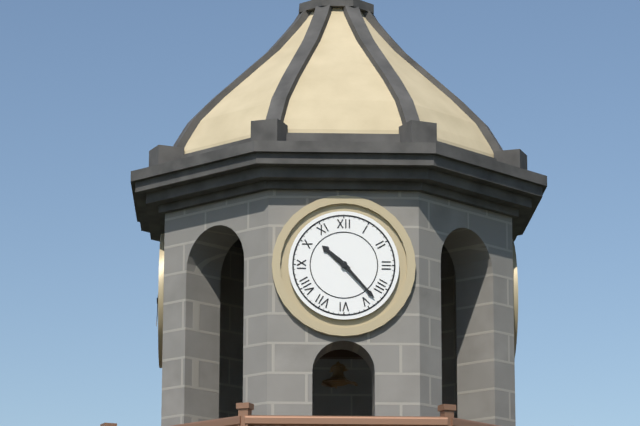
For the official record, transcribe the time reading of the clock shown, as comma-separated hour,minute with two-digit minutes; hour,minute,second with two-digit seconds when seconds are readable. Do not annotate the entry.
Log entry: 10,23
